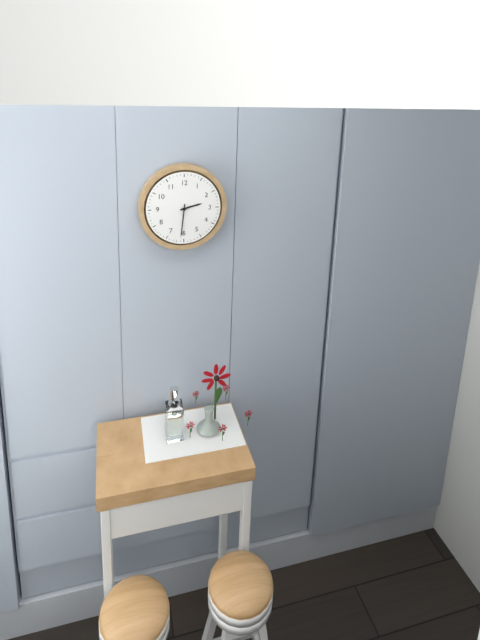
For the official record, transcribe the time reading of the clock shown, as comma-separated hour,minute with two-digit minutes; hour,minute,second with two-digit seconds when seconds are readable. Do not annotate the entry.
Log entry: 2,31
